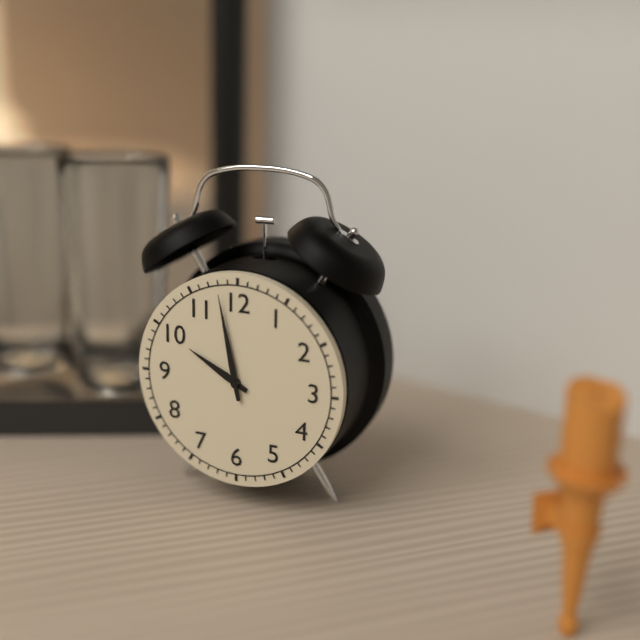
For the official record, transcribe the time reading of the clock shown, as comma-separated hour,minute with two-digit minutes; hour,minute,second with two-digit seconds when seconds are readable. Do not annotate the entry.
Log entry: 9,58
